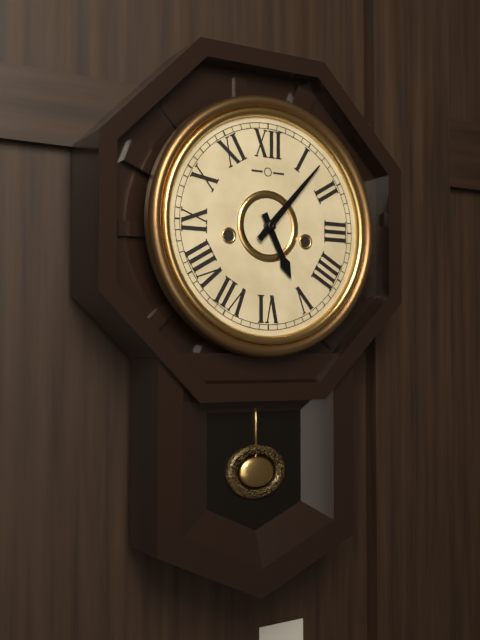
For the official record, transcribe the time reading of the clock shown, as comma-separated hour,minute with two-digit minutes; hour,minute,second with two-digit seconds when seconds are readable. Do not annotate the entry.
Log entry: 5,07
